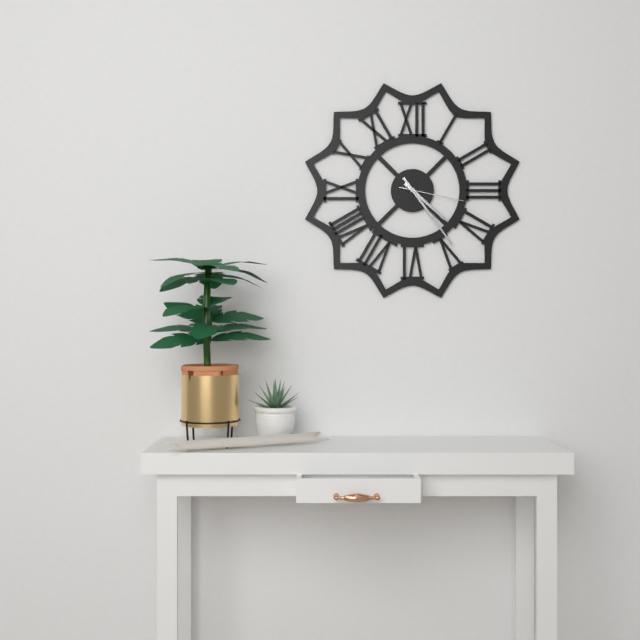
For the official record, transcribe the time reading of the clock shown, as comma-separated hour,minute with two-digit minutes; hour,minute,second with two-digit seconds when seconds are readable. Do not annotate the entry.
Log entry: 4,24,17
